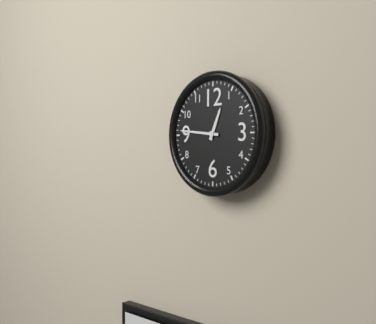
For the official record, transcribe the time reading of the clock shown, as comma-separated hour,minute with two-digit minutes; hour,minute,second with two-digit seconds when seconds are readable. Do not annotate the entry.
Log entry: 12,46
